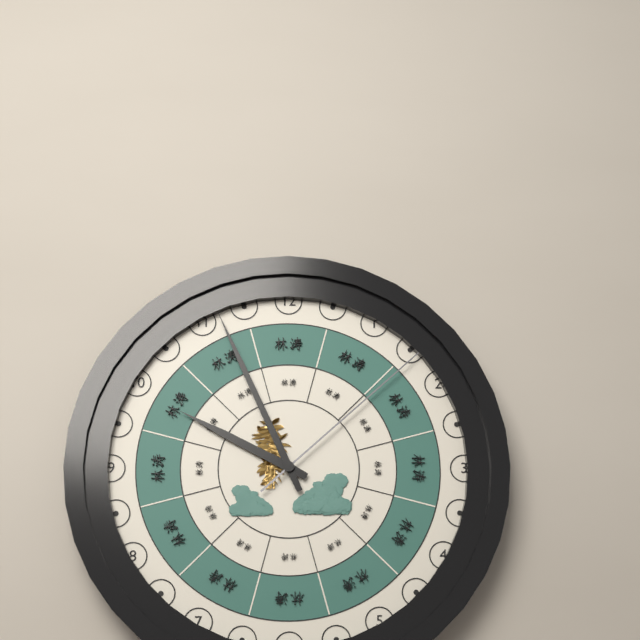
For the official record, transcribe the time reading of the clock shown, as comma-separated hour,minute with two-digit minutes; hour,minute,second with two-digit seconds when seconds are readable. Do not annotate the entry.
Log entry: 9,56,08
